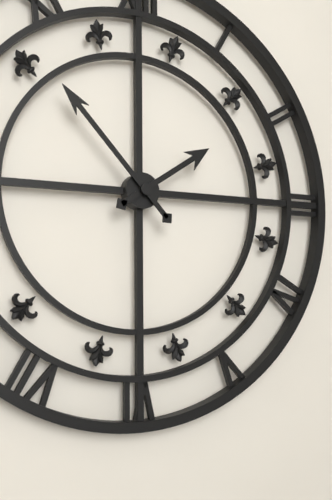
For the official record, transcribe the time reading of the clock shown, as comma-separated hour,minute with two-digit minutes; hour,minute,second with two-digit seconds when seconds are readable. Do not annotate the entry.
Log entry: 1,53
